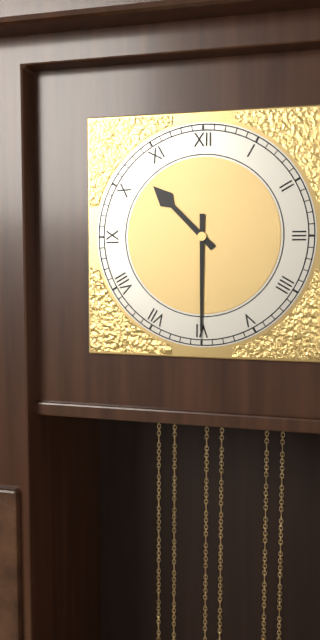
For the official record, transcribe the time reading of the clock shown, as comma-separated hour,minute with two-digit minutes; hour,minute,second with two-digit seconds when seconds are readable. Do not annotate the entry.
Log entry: 10,30
